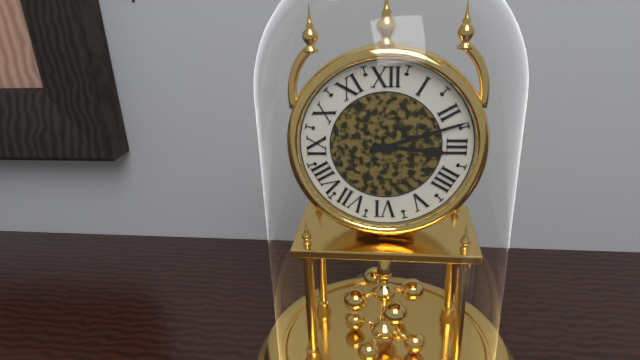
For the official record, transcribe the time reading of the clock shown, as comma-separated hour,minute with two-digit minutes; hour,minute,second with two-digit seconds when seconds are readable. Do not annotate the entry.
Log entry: 3,12
